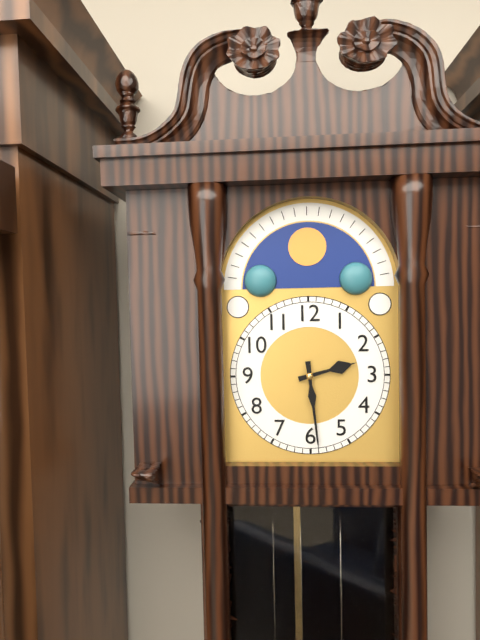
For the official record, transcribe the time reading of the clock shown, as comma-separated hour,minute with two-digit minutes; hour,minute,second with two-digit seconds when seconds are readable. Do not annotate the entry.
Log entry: 2,29
